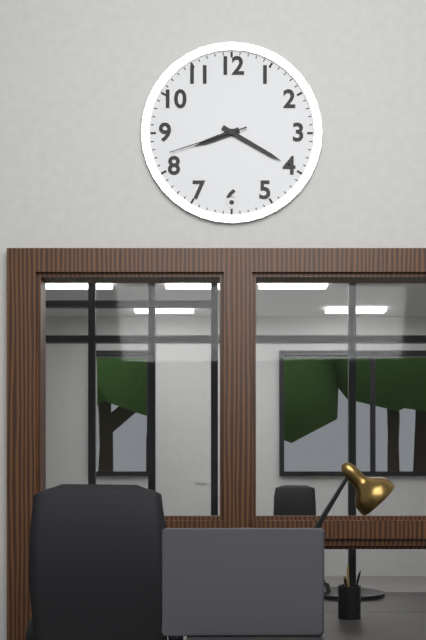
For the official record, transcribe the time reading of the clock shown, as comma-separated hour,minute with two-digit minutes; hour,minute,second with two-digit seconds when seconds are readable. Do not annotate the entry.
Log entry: 8,20,42
